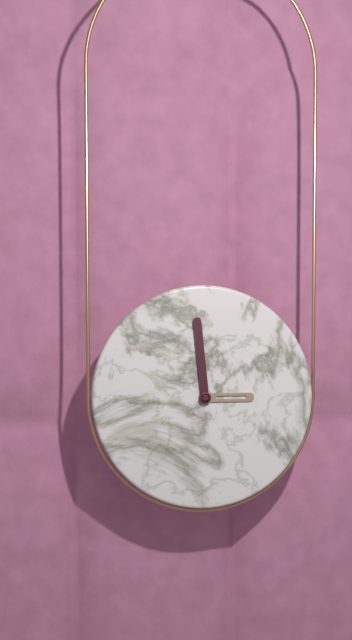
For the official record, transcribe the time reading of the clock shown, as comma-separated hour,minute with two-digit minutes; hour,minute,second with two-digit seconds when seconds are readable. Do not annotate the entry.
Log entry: 2,59
